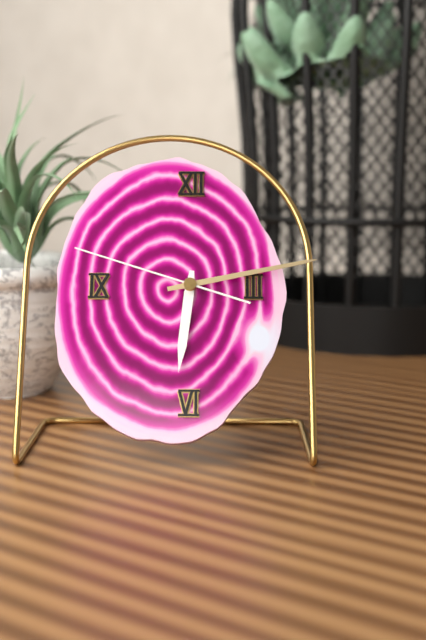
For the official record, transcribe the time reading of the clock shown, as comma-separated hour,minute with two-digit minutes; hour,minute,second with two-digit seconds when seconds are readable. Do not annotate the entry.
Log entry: 6,13,48
